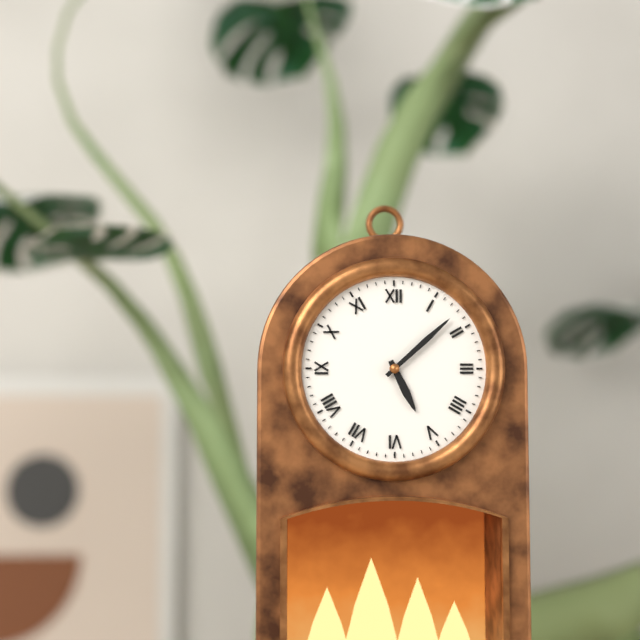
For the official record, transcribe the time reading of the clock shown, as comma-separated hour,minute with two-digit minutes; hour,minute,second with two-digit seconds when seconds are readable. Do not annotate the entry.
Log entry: 5,08
